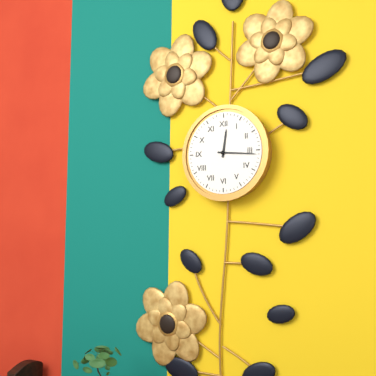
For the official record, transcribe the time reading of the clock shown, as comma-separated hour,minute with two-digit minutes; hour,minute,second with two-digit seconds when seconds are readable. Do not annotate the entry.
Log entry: 12,16
